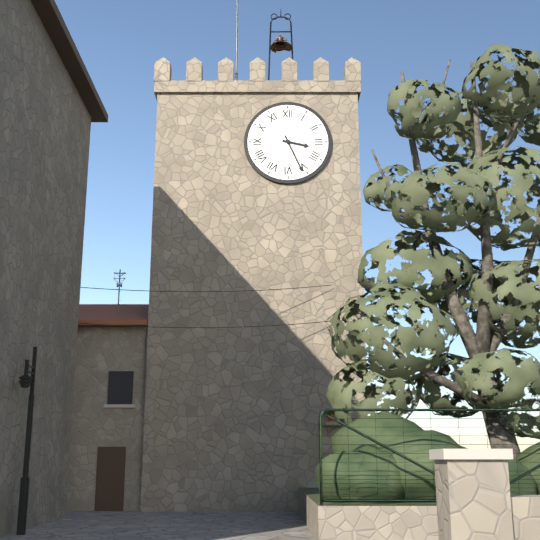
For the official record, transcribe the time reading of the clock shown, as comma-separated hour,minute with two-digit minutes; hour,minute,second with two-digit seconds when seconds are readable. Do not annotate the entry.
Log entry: 3,26
